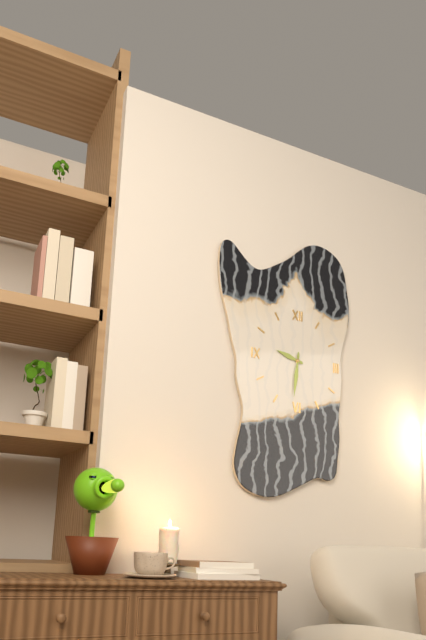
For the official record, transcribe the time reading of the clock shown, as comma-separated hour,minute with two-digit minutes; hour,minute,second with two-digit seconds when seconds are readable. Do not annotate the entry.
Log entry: 9,31
